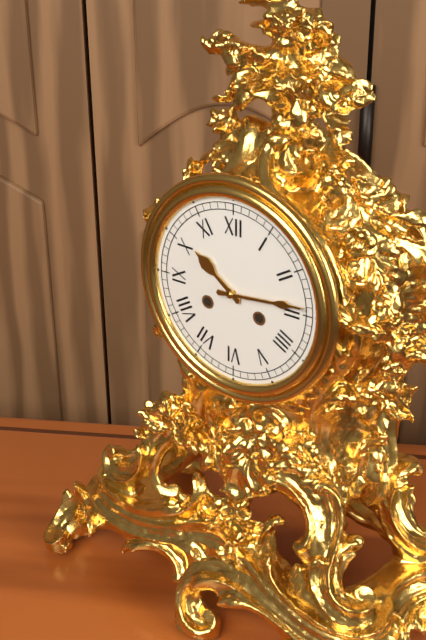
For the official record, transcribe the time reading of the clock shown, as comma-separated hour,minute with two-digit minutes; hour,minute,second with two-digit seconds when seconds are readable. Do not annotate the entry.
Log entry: 10,14
